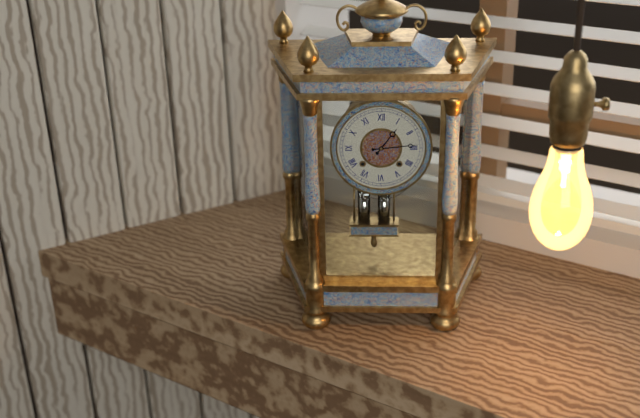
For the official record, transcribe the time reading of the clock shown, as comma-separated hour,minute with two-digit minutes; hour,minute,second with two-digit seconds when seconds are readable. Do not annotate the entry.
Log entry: 1,14
